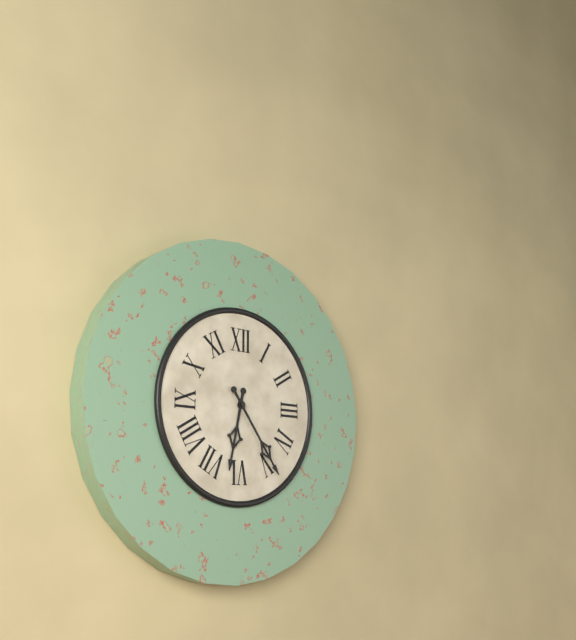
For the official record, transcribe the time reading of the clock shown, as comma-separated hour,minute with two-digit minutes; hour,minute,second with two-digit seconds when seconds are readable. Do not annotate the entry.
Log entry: 6,24
